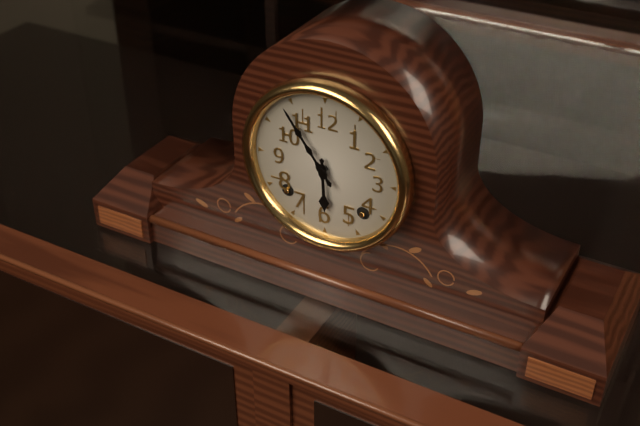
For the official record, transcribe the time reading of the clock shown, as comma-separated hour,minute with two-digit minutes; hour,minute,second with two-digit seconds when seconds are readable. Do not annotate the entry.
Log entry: 5,54
